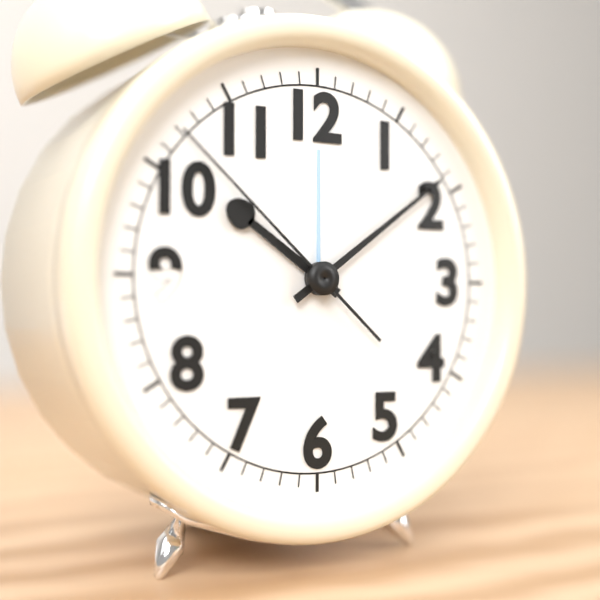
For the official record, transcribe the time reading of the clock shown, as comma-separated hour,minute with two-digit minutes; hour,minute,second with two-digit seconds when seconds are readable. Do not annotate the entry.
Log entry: 10,09,52
